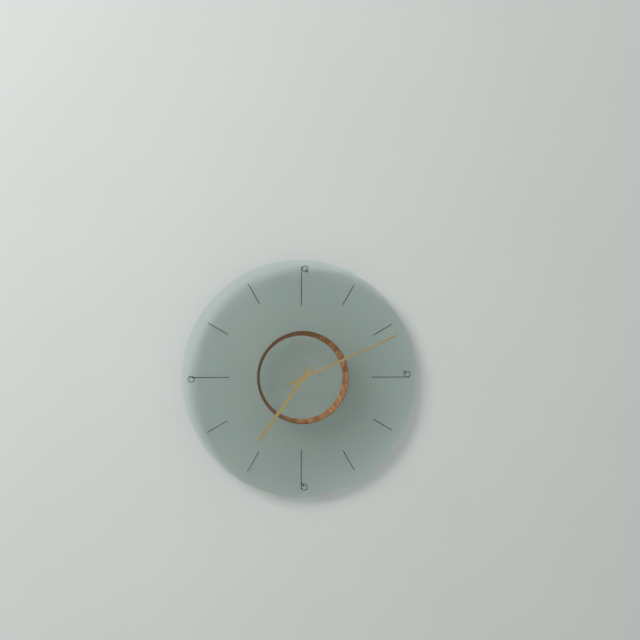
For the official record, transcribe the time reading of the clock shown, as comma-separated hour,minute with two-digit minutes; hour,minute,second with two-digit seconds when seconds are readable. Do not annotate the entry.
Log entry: 7,11
